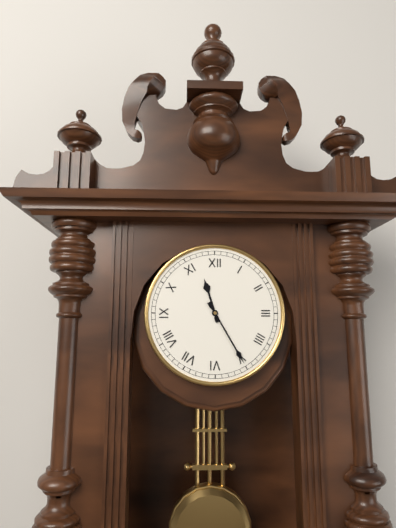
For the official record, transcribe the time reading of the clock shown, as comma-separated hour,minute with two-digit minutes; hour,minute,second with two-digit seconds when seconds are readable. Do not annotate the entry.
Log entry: 11,25
